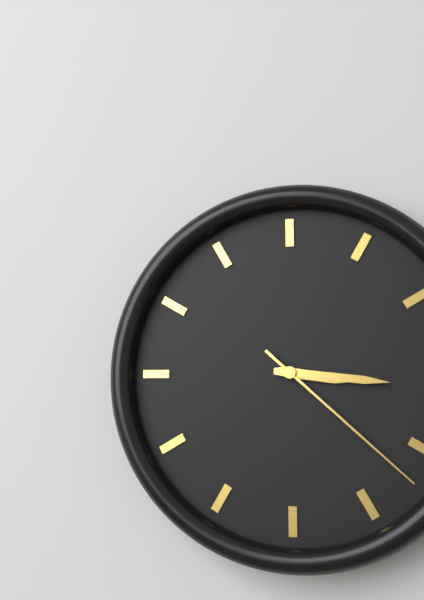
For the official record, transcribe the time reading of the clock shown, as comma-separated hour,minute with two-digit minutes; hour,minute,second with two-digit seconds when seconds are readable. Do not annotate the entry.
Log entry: 3,16,22
